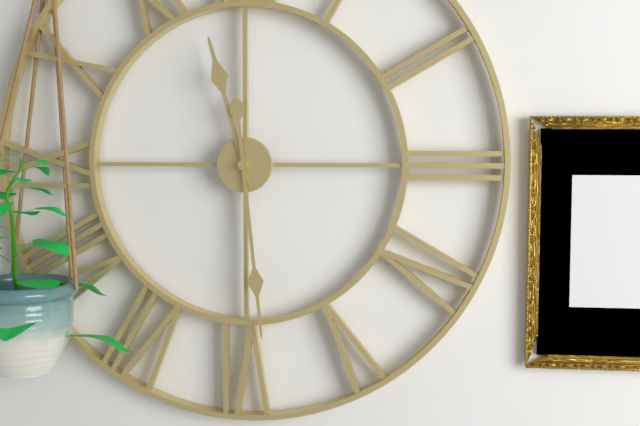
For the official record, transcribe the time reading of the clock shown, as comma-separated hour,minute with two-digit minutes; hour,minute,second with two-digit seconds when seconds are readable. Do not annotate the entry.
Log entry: 11,29
